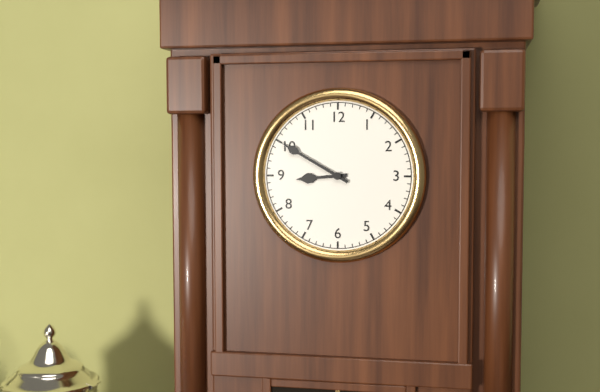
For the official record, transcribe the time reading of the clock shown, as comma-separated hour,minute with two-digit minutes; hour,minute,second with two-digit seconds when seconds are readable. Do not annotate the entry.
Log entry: 8,50
